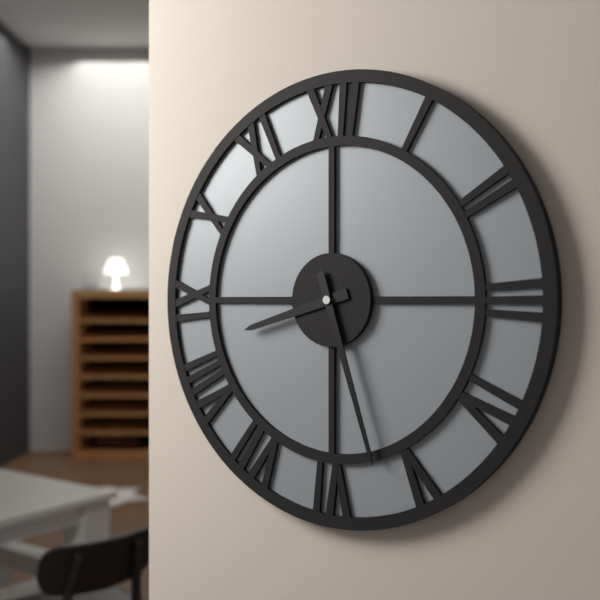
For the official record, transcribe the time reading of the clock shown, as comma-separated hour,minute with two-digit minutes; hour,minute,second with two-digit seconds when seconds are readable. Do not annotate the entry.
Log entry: 8,27
